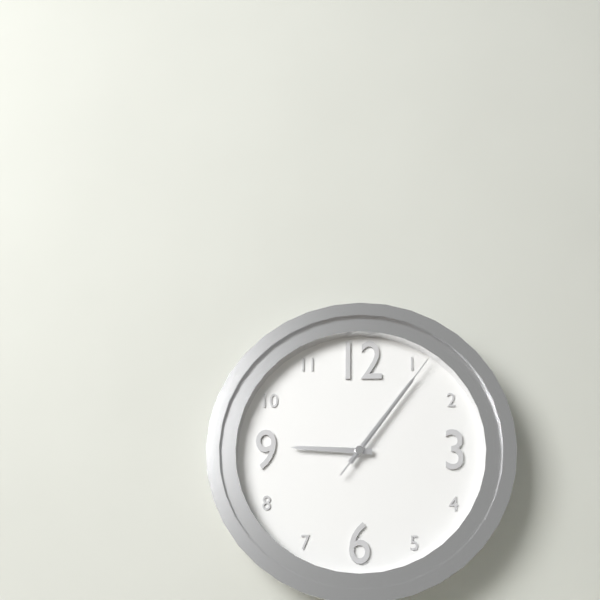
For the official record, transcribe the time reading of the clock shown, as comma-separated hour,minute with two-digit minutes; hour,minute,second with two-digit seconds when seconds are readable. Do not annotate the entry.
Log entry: 9,06,06
